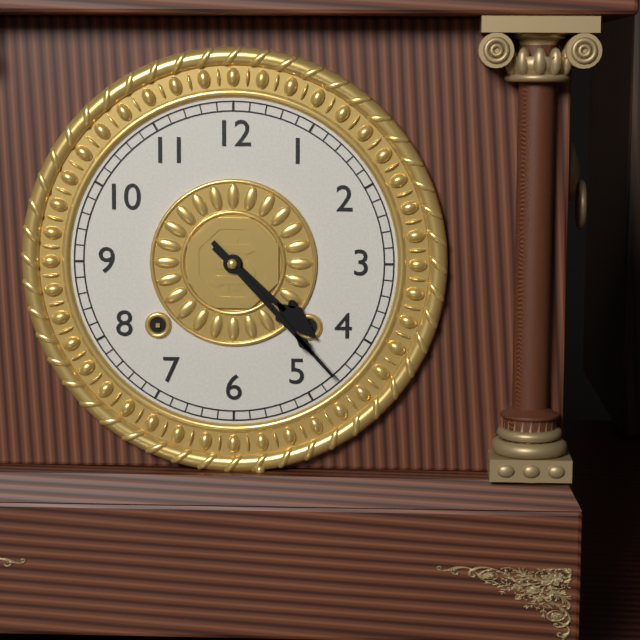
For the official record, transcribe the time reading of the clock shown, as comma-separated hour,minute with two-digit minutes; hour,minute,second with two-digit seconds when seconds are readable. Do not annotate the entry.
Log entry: 4,23
